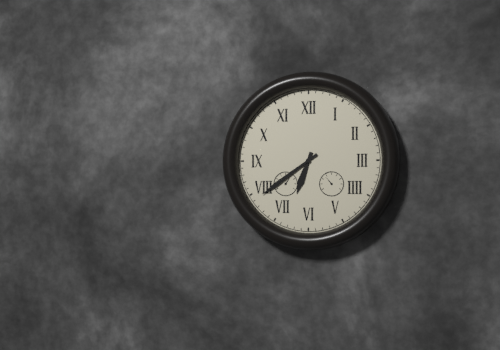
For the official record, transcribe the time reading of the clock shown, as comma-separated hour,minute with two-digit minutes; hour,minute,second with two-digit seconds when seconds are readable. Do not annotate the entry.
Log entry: 6,39
